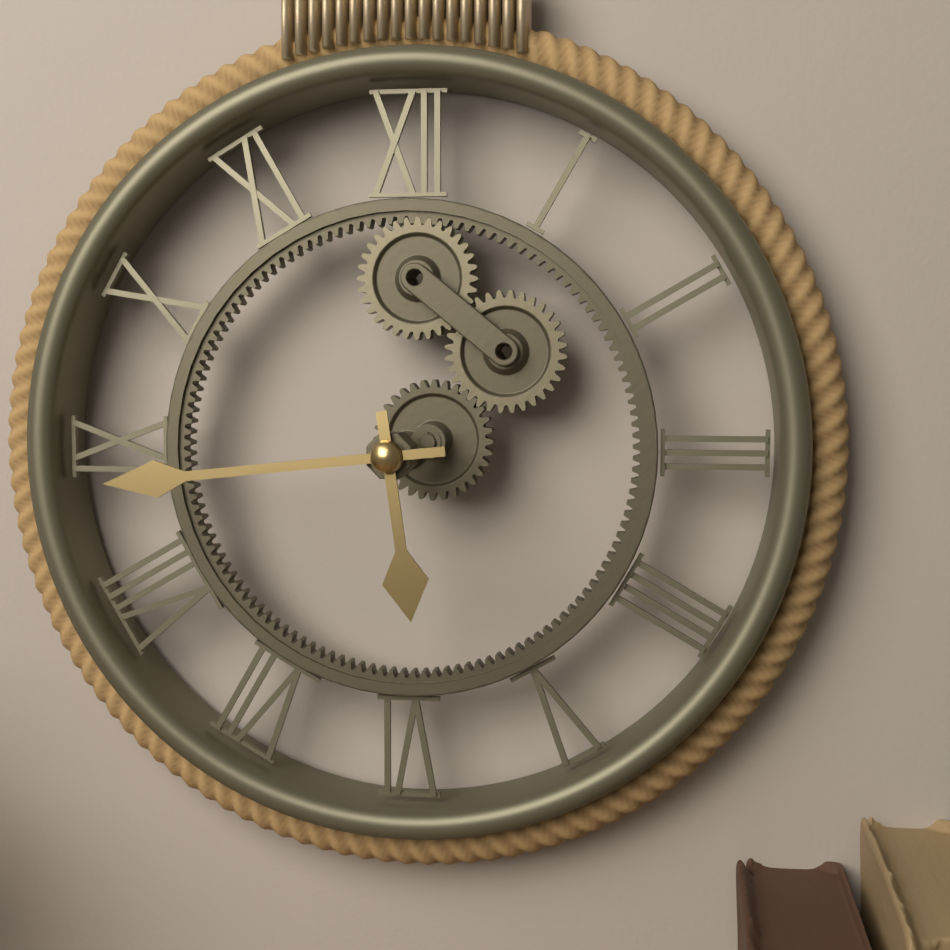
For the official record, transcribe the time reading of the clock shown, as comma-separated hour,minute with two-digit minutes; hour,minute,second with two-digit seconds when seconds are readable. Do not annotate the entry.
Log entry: 5,44
